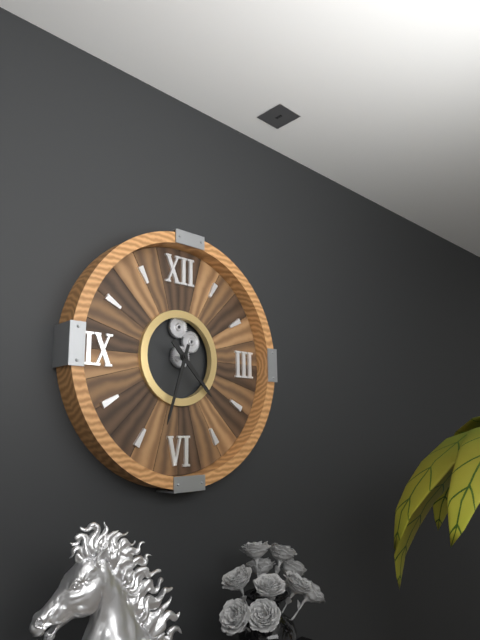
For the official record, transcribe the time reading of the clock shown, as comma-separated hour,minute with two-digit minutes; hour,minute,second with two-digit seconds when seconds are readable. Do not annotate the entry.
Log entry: 4,33
